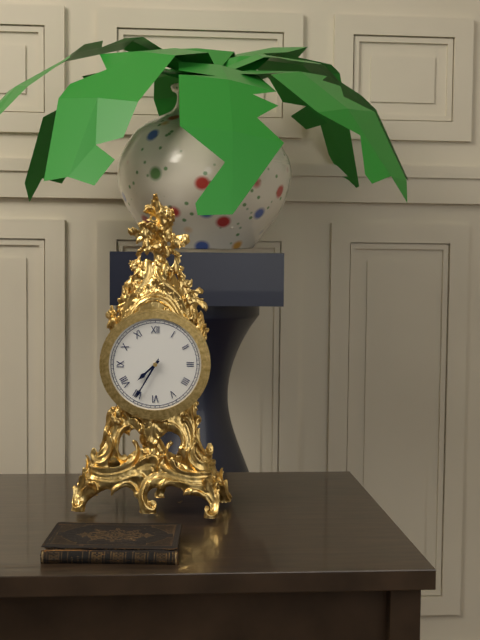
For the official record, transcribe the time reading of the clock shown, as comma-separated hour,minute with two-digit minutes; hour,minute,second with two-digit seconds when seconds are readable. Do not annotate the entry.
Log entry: 7,35
